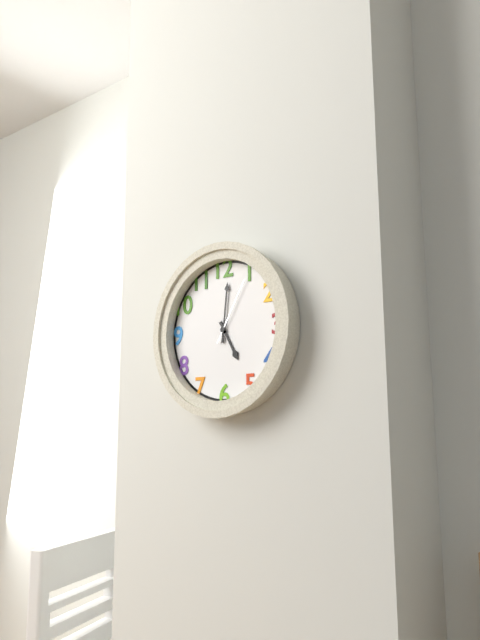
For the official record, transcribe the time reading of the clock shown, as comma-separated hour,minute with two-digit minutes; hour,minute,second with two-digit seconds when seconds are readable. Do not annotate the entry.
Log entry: 5,01,05
